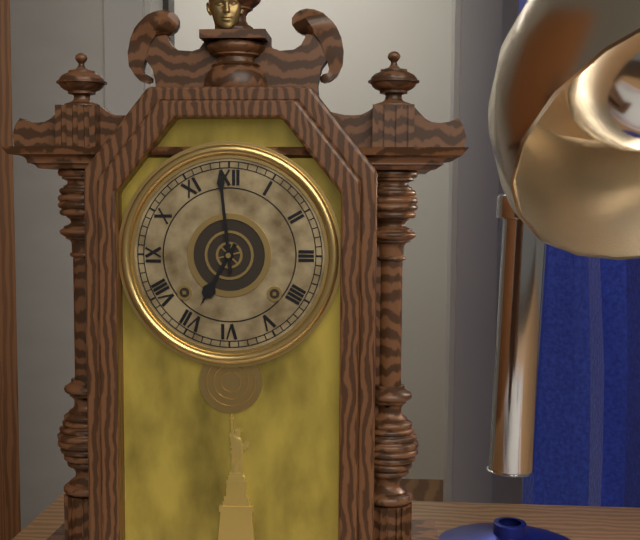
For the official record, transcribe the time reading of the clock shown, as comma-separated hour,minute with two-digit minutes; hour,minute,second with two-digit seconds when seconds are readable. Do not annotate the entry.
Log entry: 6,59
